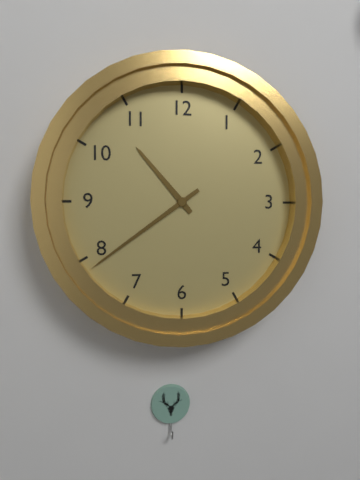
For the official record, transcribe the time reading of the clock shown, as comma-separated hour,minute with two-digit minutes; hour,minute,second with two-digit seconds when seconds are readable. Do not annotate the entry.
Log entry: 10,39
